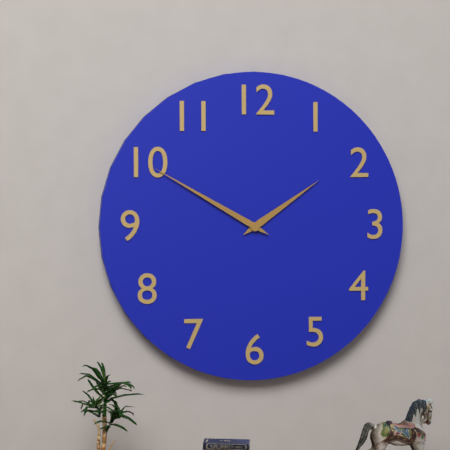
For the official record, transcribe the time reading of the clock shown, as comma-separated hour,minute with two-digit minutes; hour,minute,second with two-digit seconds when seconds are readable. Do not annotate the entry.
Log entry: 1,50
